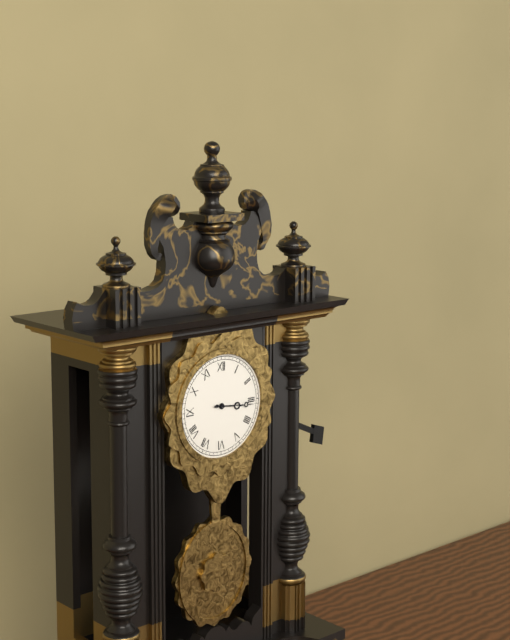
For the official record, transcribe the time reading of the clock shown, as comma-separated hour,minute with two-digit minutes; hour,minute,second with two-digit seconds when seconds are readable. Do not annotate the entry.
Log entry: 3,16
